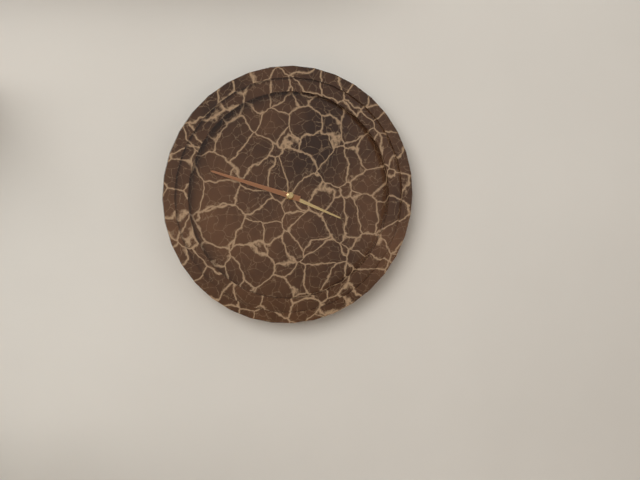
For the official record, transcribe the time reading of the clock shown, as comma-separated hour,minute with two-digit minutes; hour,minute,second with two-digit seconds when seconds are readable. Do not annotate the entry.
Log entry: 3,48
